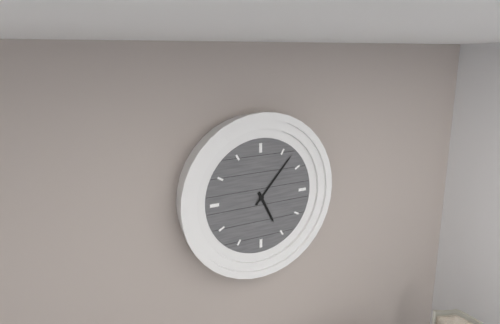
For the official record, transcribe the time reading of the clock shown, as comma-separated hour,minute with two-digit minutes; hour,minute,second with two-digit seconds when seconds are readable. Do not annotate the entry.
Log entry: 5,07
